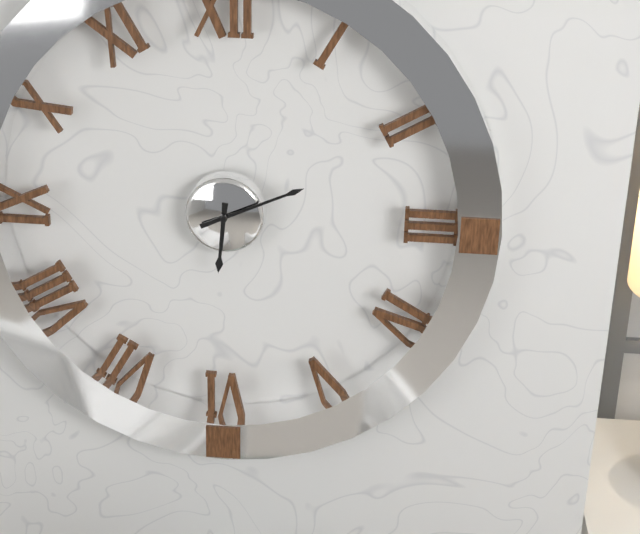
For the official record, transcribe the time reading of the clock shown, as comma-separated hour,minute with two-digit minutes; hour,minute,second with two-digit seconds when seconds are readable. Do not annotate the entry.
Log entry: 6,11
